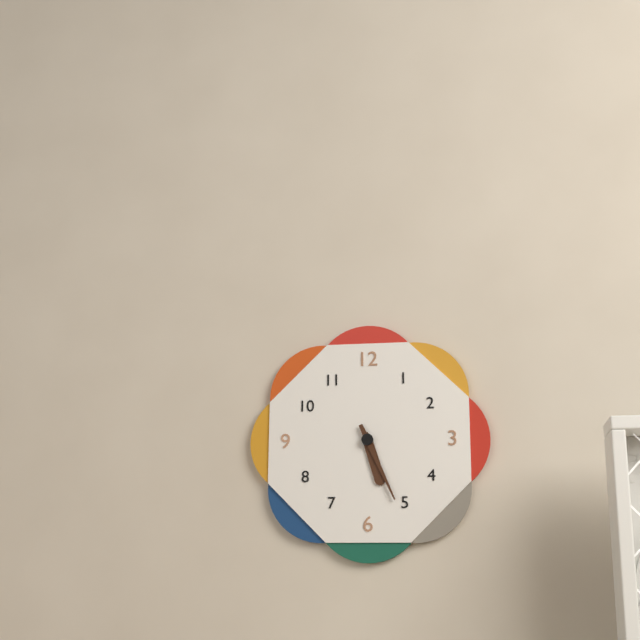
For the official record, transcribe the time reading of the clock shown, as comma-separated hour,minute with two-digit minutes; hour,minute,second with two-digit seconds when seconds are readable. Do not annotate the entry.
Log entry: 5,26
